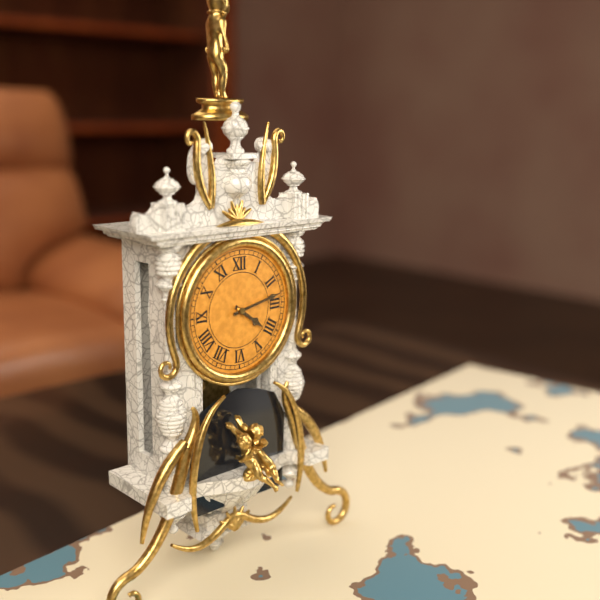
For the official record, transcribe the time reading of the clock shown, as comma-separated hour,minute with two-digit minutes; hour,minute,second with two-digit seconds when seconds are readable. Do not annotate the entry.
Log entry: 4,13
